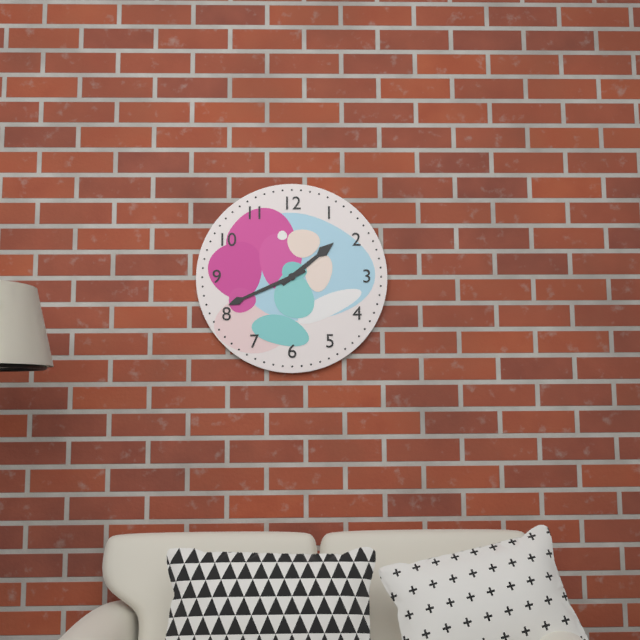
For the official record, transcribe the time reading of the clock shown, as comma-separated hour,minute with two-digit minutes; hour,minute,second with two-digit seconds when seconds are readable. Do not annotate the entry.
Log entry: 1,41
